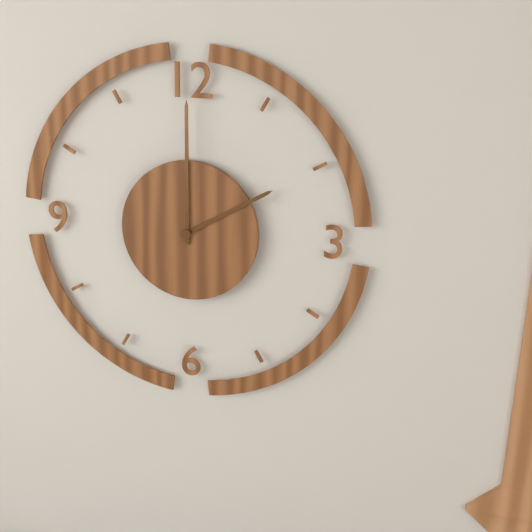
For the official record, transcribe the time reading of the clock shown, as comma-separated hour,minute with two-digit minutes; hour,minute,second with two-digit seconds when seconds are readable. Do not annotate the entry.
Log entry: 2,00
